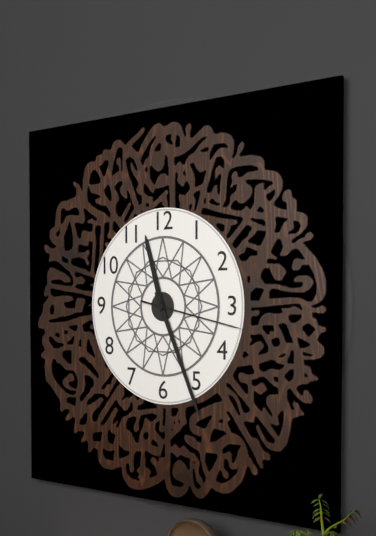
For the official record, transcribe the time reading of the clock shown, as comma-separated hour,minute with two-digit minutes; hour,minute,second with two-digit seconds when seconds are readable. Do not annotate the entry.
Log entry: 11,26,17
